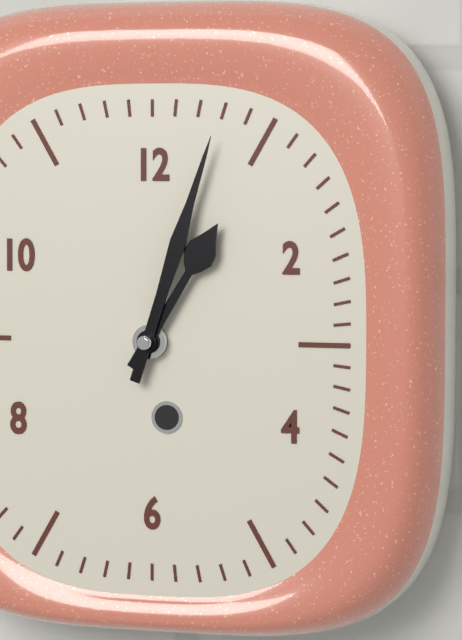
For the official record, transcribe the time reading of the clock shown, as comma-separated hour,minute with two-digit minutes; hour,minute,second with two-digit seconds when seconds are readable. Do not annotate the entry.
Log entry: 1,03
